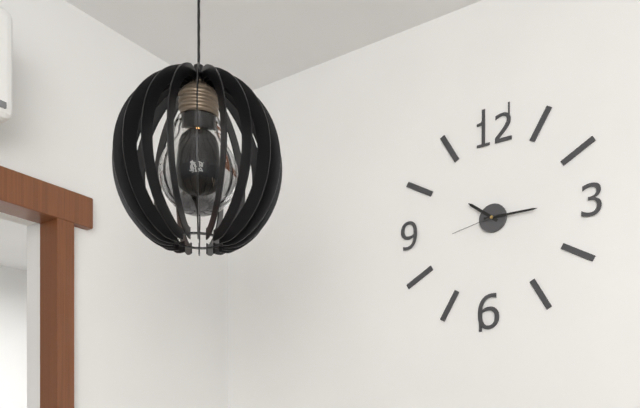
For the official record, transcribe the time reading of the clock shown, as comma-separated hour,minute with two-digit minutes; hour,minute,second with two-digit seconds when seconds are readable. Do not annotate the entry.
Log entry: 10,15,43
